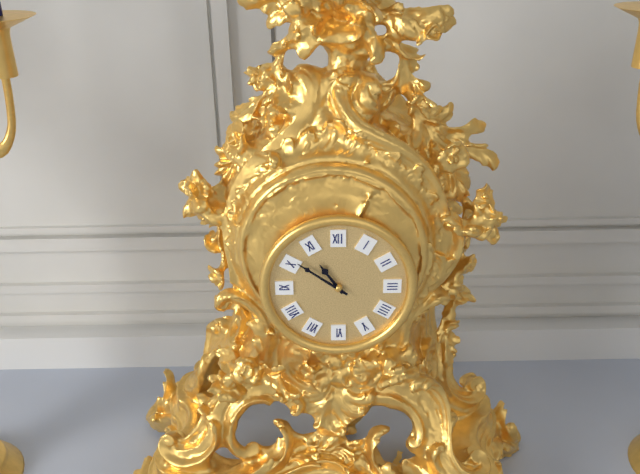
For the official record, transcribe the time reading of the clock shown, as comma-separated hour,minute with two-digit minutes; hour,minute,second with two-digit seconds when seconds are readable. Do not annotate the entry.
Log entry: 10,51
